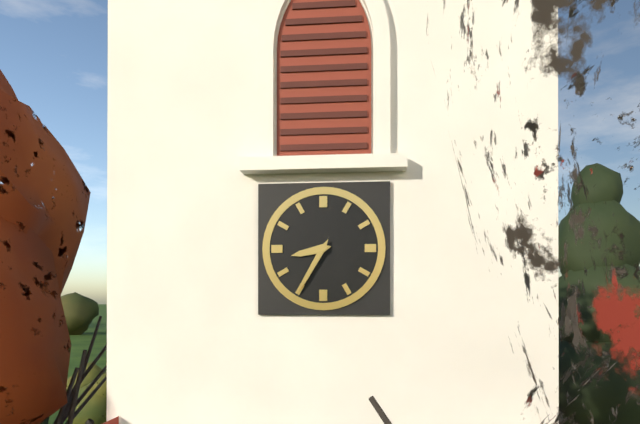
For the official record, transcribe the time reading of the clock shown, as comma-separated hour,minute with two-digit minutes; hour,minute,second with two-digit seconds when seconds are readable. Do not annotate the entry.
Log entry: 8,35
